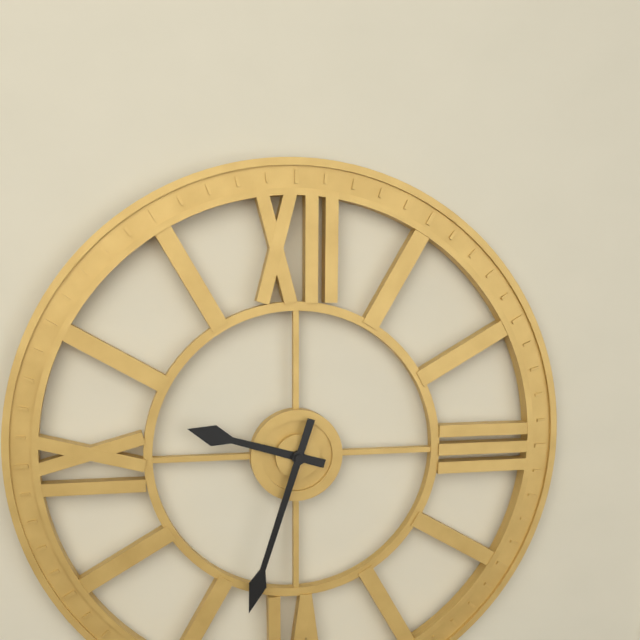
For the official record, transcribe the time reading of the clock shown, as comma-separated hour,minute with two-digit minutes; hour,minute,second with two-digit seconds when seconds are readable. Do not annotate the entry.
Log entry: 9,33
